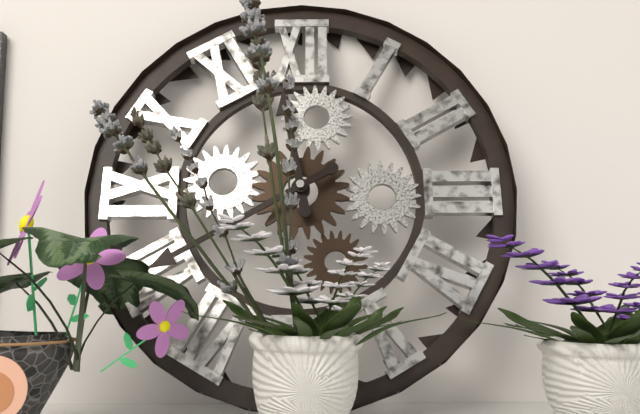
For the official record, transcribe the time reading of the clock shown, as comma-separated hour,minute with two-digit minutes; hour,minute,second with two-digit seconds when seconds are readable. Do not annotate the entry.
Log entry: 11,40
